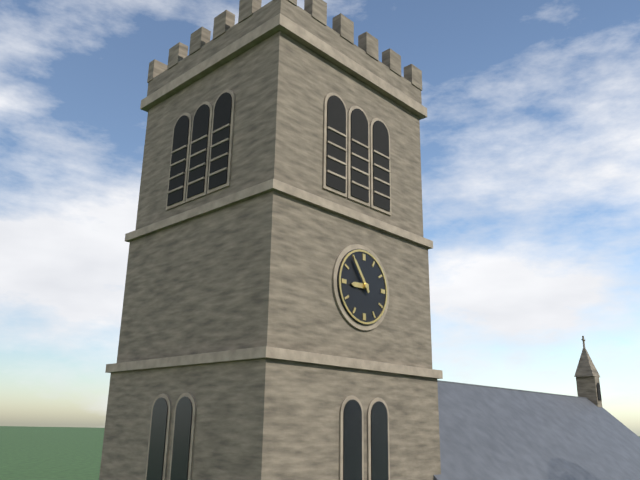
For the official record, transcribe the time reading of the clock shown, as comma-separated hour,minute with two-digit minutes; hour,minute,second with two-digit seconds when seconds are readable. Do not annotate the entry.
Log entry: 8,54
